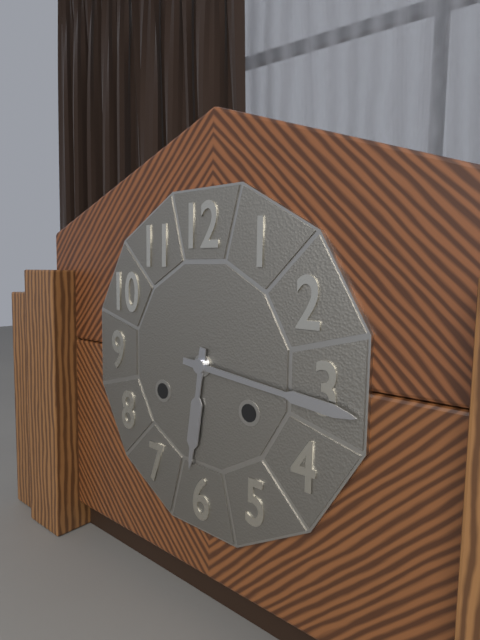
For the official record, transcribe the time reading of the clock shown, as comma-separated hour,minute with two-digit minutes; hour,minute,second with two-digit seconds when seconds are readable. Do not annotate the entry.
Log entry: 6,16
